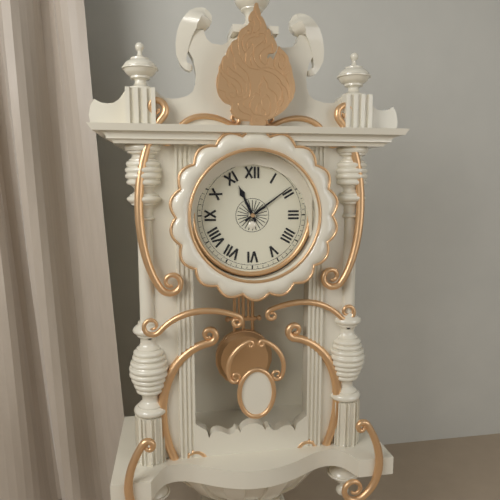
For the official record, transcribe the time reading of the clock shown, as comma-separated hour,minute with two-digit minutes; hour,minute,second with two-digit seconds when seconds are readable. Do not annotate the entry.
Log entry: 11,09
